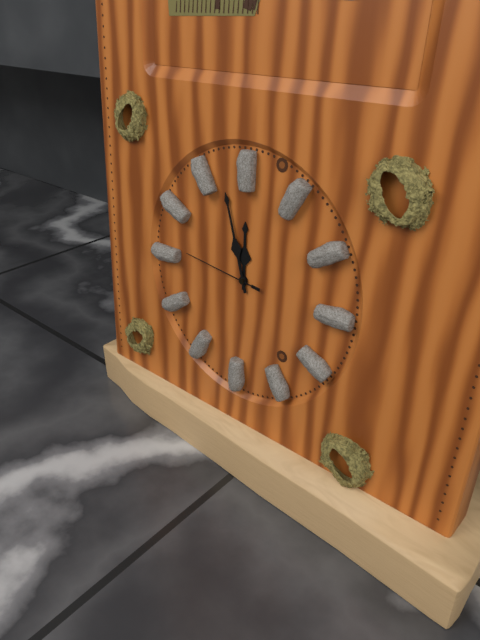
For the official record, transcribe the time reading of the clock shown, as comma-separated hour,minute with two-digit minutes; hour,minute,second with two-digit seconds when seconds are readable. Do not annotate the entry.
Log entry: 11,57,46
